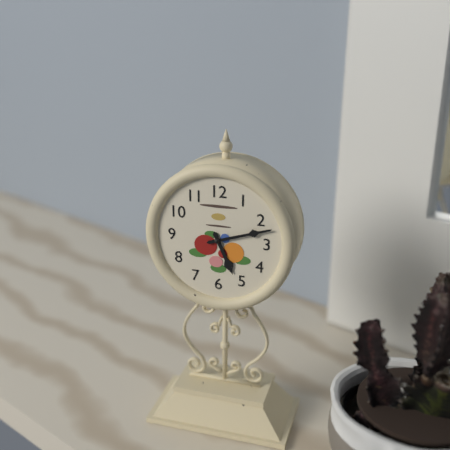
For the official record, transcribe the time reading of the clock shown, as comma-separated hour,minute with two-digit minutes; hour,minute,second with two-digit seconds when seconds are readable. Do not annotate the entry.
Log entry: 5,12
